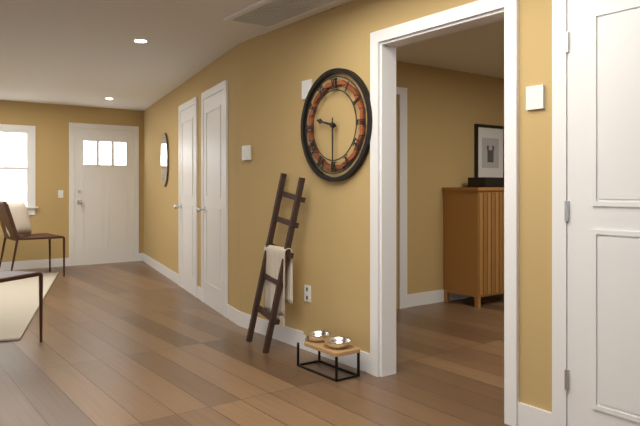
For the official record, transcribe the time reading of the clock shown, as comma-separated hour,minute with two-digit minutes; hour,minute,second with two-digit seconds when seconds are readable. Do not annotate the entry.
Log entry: 9,30
